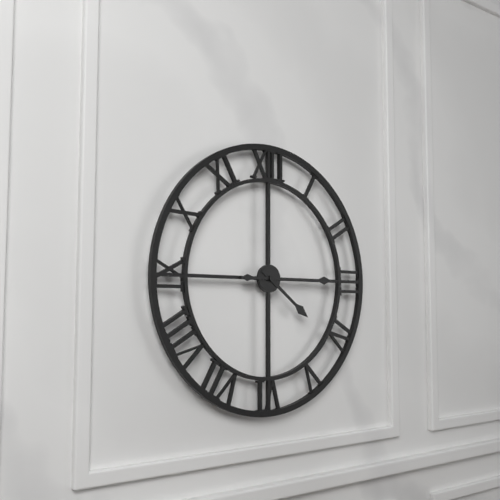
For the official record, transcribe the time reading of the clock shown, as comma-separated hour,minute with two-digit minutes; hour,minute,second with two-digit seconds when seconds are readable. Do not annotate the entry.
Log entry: 4,15
